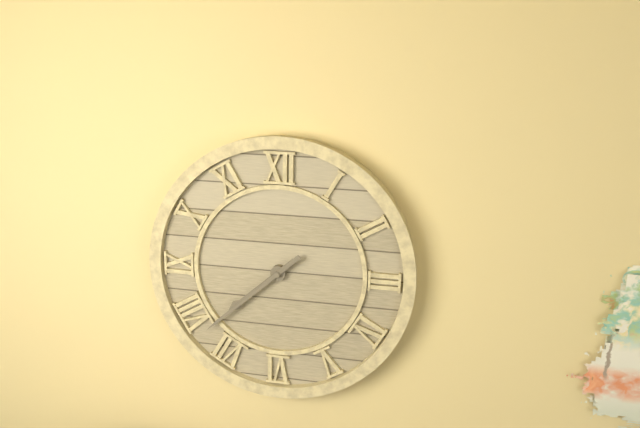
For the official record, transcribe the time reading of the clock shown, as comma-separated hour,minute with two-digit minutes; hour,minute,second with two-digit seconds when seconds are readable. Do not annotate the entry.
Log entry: 7,38
